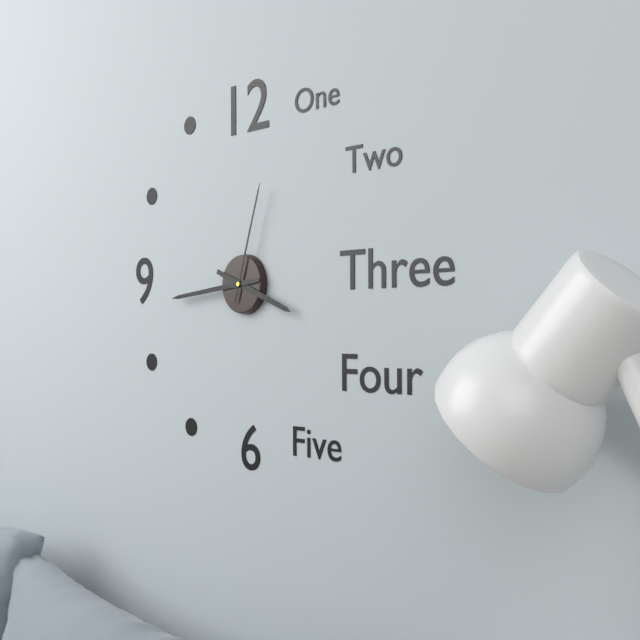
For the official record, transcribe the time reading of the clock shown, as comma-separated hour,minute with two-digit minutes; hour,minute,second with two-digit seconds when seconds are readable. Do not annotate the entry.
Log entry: 3,44,03
